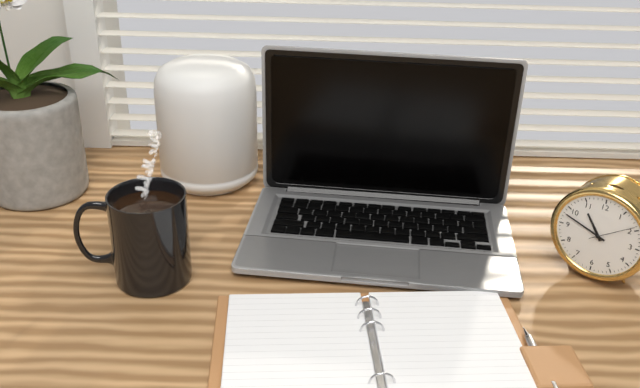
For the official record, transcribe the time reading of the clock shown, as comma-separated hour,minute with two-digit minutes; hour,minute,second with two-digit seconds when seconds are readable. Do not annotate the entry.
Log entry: 10,48
